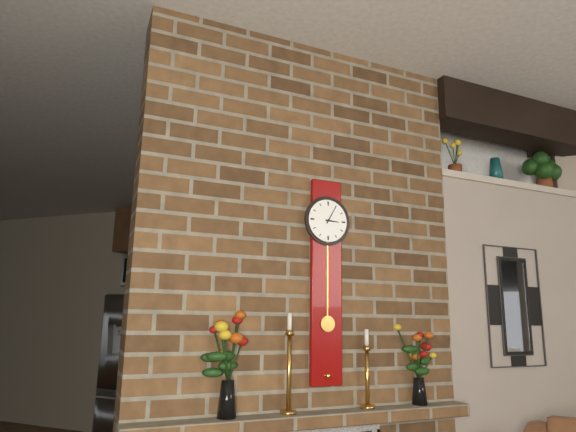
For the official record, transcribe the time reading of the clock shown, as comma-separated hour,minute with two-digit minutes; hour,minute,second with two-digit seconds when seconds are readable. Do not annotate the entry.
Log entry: 3,05
